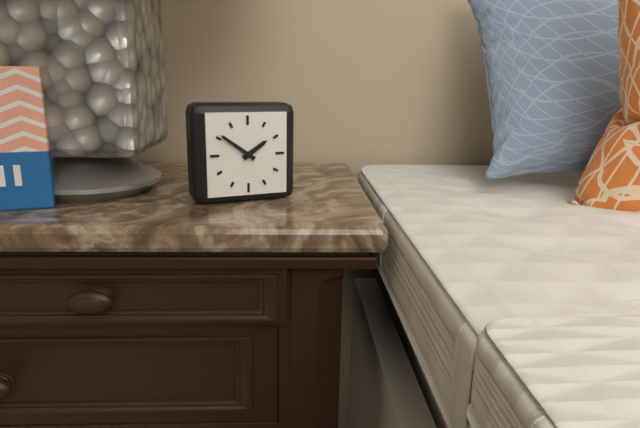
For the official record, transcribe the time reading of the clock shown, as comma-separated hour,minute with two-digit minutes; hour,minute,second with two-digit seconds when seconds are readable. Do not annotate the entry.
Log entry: 1,51
